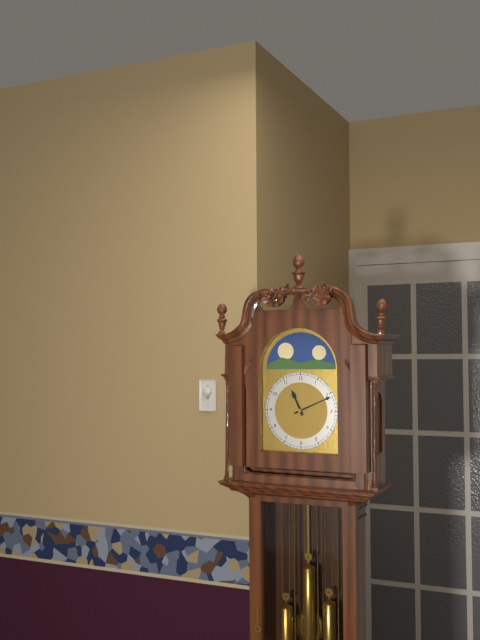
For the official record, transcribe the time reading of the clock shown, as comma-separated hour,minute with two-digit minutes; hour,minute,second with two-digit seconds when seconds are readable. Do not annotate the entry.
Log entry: 11,11
